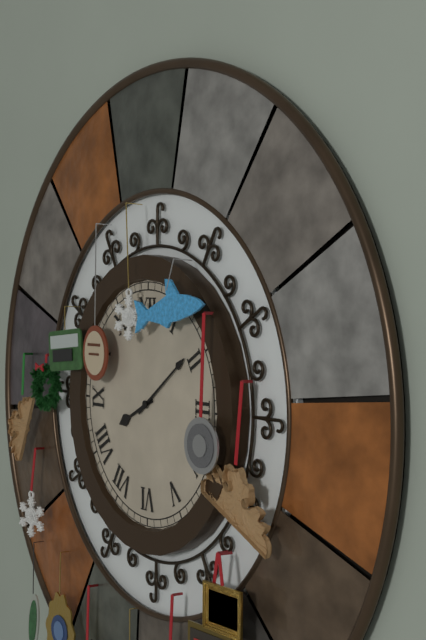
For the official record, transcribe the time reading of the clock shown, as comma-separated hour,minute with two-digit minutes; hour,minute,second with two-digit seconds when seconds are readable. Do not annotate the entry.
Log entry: 8,09
